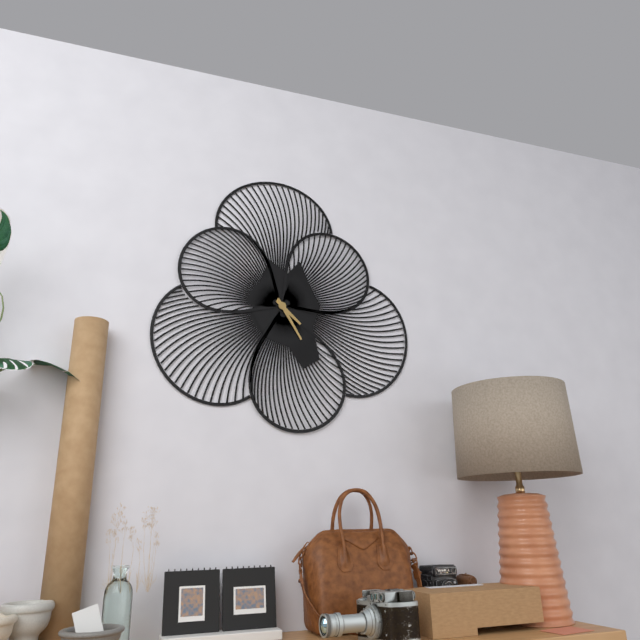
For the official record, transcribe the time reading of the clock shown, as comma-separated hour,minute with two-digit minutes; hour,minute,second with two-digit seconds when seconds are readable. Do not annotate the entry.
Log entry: 4,25
